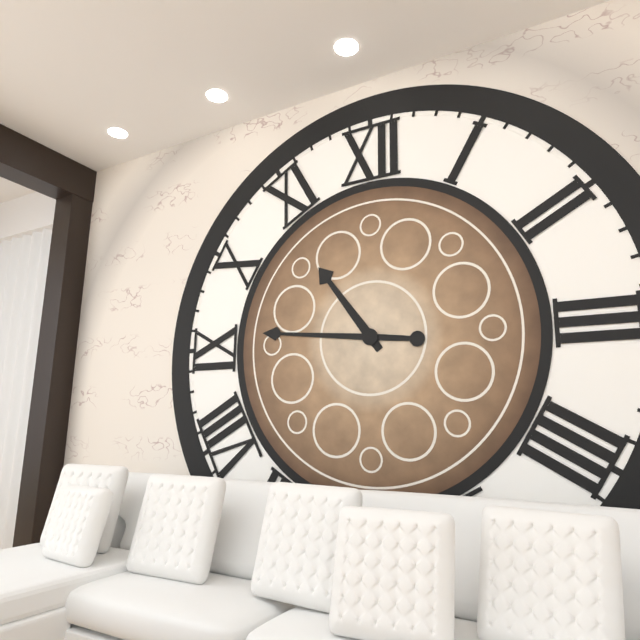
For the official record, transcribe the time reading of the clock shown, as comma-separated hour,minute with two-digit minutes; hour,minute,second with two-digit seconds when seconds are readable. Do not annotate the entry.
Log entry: 10,46
